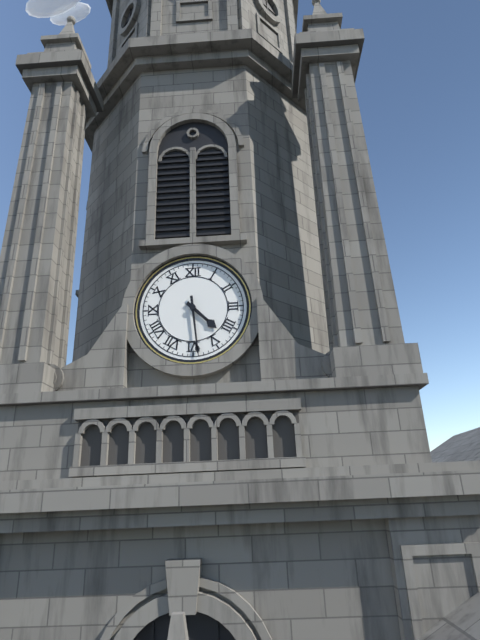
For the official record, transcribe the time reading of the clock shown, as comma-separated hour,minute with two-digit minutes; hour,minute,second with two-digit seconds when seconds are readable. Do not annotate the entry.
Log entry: 4,29
